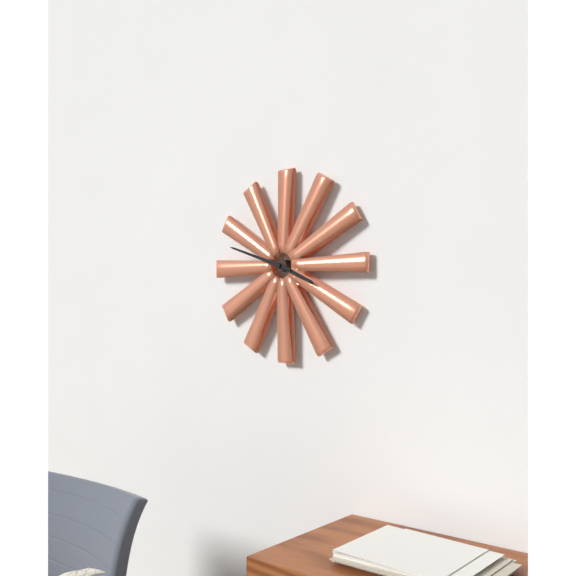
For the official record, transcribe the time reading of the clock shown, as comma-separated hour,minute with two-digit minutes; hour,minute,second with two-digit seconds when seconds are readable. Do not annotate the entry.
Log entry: 3,48
